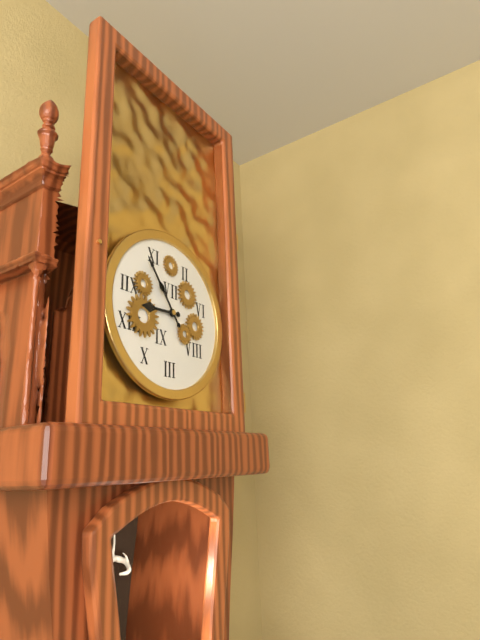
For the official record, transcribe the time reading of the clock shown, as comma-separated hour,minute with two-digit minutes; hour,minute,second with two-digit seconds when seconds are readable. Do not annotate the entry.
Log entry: 8,54
